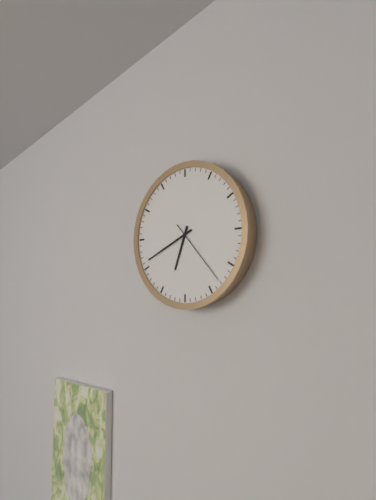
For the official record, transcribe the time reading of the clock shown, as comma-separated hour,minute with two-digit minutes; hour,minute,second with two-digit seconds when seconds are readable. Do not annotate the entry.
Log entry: 6,41,23
